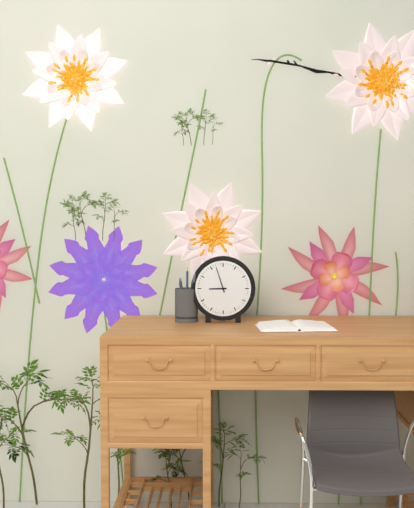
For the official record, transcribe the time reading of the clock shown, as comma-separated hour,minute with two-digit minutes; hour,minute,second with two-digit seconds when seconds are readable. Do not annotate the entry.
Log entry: 8,57
